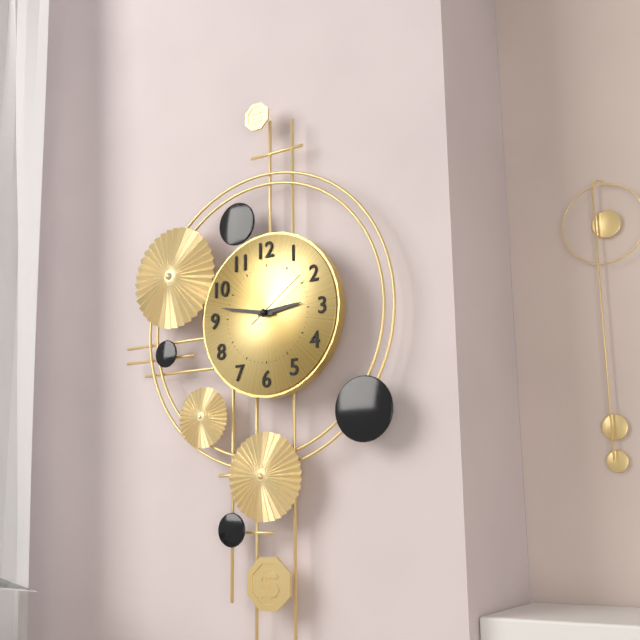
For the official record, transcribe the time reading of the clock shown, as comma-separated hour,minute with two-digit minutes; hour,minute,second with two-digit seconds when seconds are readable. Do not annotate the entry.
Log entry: 2,47,09
